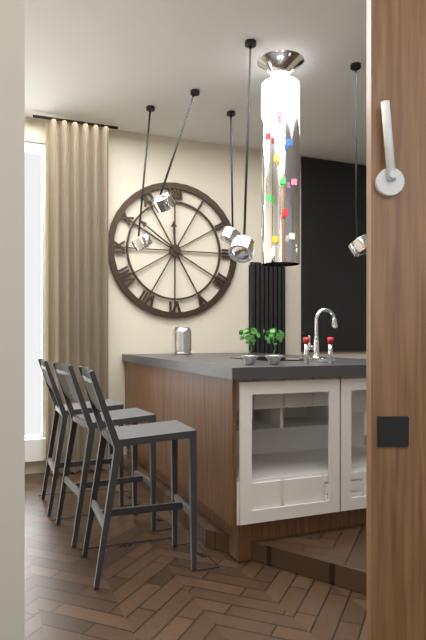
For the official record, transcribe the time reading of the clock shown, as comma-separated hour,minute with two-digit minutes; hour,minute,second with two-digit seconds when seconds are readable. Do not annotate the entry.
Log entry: 11,51
